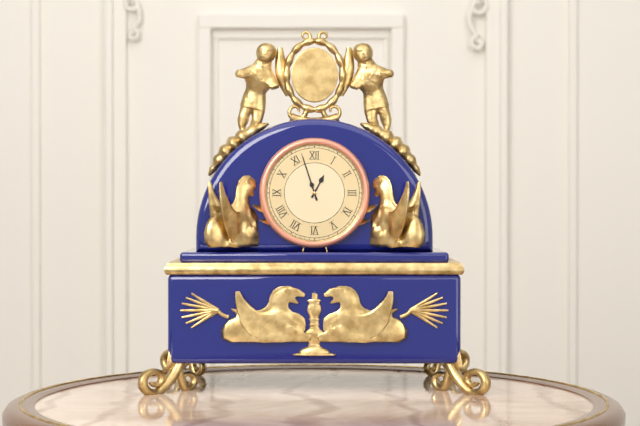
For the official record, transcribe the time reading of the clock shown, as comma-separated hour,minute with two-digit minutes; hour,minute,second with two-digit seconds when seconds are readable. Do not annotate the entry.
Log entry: 12,57
